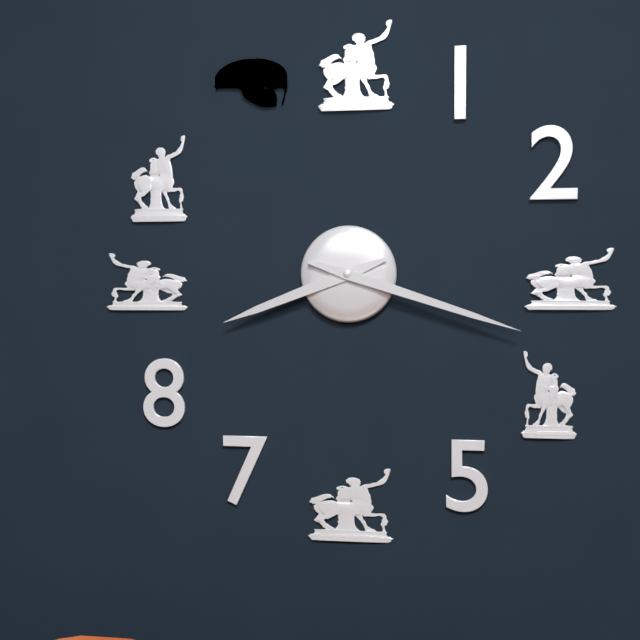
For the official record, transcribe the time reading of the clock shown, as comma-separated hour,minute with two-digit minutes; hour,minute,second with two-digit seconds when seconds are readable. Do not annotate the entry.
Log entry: 8,18
